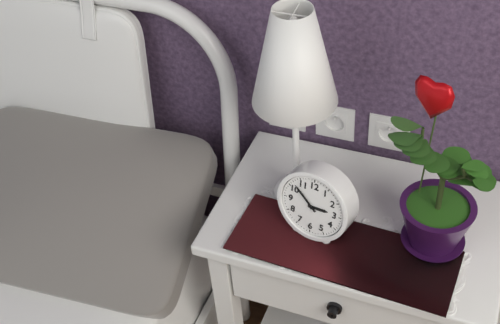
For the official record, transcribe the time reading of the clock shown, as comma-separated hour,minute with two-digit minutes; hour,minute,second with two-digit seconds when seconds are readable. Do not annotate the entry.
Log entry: 2,52
